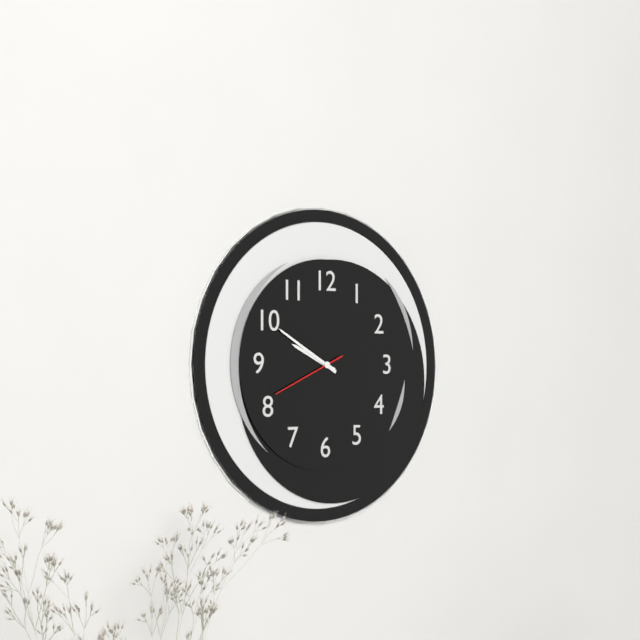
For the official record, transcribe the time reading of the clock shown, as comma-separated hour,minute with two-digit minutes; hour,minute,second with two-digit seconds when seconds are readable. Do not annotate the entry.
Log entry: 9,50,41
